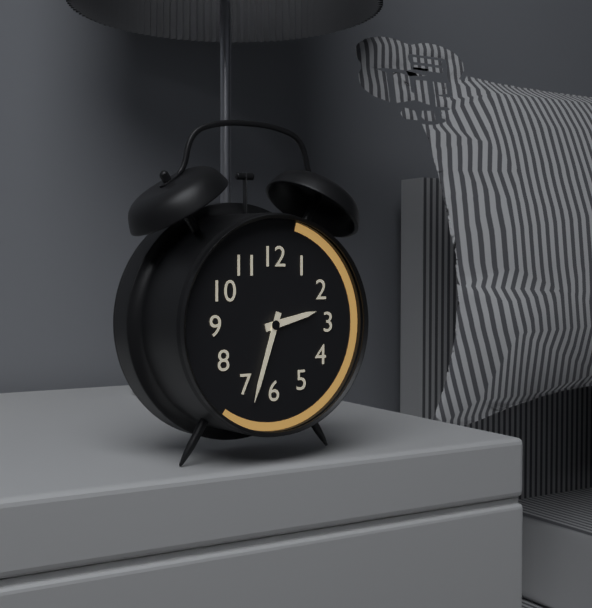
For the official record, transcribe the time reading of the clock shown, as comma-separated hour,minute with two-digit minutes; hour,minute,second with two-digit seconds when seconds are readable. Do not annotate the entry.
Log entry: 2,33
